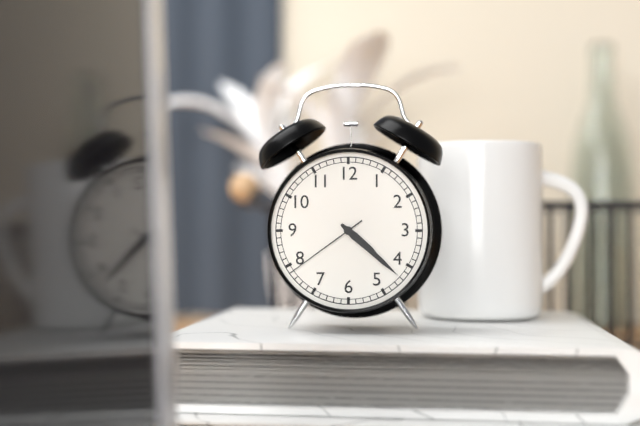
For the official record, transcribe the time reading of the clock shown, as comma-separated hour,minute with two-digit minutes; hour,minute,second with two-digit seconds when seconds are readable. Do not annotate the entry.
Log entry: 4,22,39
